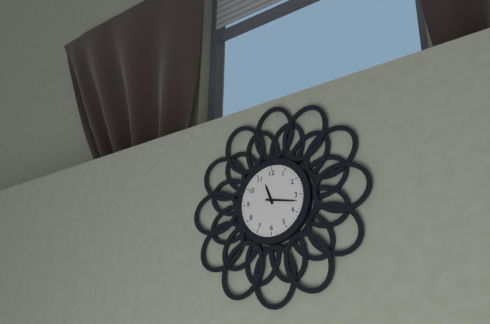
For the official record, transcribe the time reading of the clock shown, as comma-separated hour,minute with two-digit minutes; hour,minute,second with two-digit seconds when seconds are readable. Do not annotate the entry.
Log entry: 11,17
